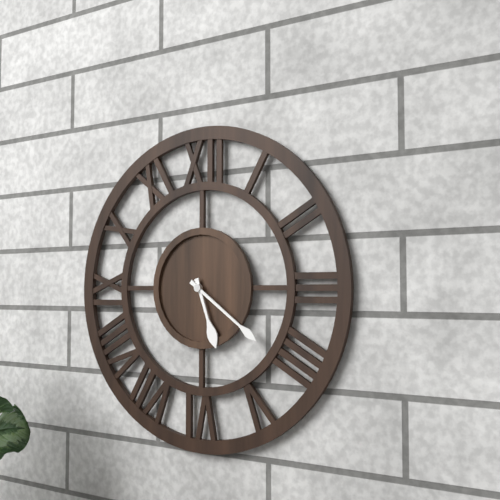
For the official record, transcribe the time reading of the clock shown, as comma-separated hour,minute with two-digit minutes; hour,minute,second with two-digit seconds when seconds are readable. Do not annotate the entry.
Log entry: 5,21
